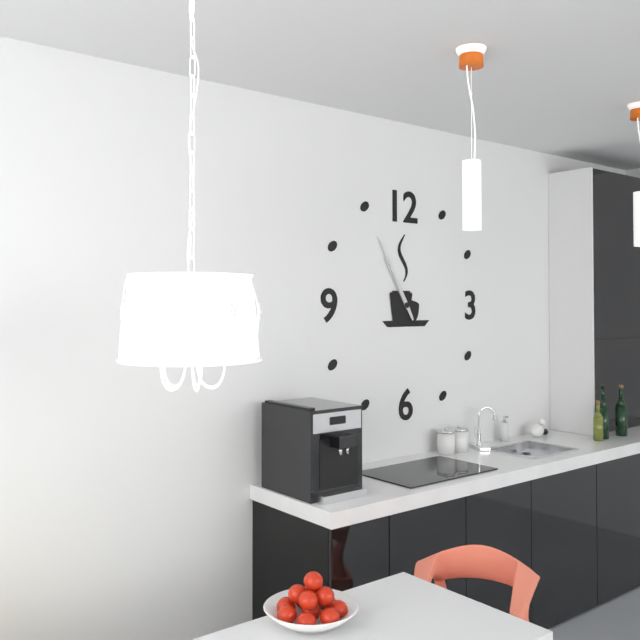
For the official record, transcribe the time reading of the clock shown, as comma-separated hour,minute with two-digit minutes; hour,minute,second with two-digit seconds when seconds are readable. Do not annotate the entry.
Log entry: 10,55
